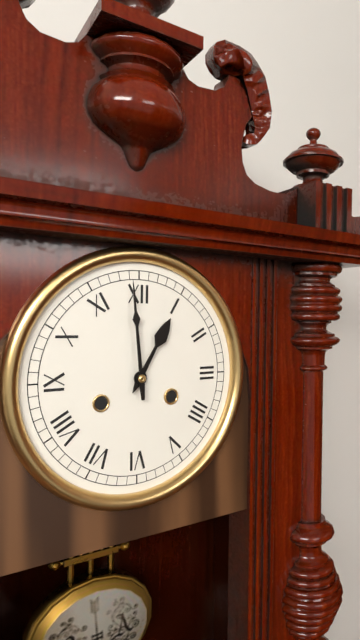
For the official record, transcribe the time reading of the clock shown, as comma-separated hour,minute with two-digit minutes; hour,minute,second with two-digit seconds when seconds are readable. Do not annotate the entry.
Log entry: 12,59
